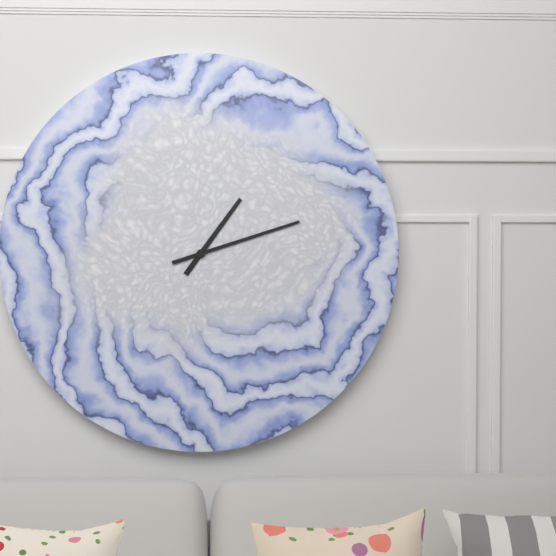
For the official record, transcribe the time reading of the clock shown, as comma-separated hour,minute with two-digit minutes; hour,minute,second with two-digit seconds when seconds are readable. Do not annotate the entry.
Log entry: 1,12
